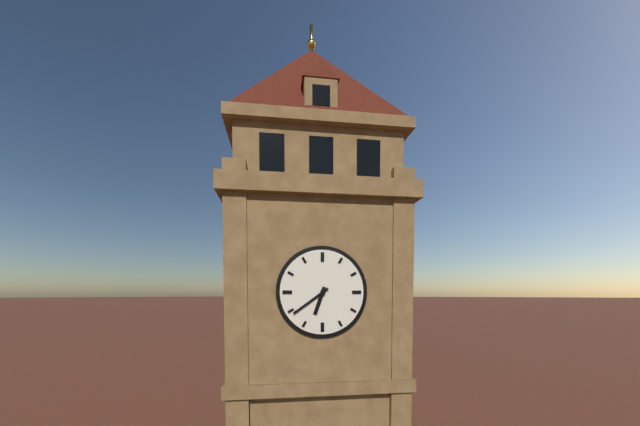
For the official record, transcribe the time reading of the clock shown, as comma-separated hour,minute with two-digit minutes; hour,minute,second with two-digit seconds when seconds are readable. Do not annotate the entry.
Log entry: 6,39
